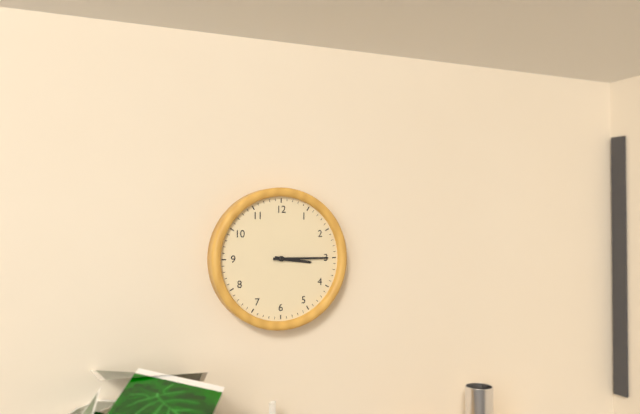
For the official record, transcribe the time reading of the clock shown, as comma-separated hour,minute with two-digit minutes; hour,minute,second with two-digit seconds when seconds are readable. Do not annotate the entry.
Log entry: 3,15
